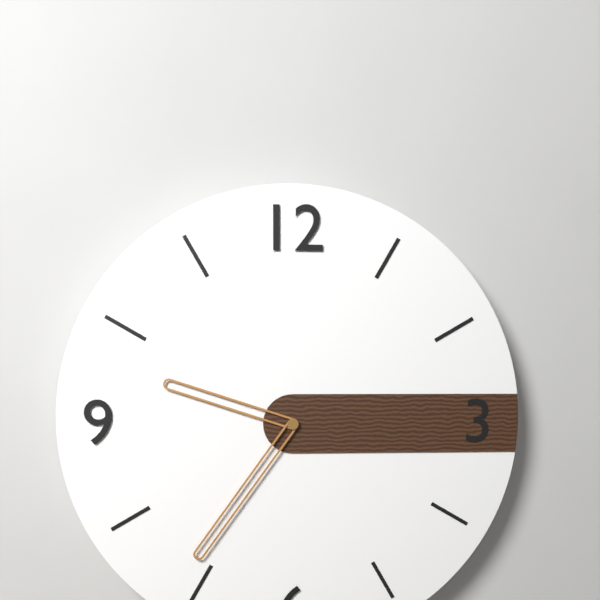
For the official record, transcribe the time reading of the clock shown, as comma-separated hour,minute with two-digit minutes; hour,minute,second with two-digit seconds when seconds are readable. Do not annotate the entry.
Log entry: 9,36
